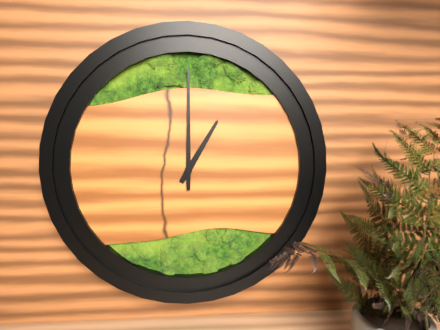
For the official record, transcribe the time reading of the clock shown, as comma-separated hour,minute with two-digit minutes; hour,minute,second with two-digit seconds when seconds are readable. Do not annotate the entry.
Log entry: 1,00
